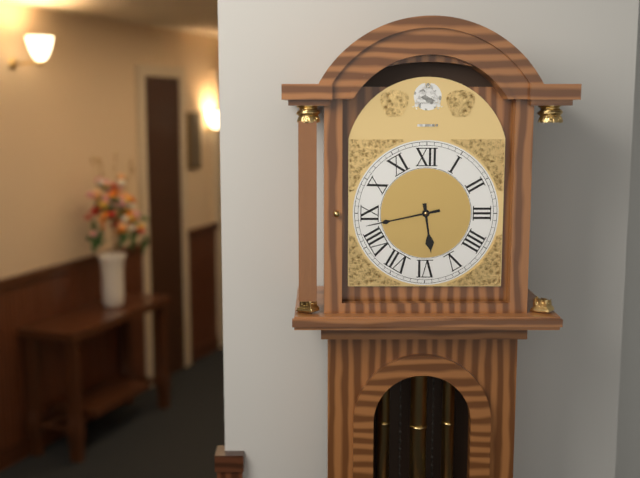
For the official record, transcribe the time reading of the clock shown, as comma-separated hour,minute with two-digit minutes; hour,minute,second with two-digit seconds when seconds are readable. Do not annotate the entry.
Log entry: 5,43
